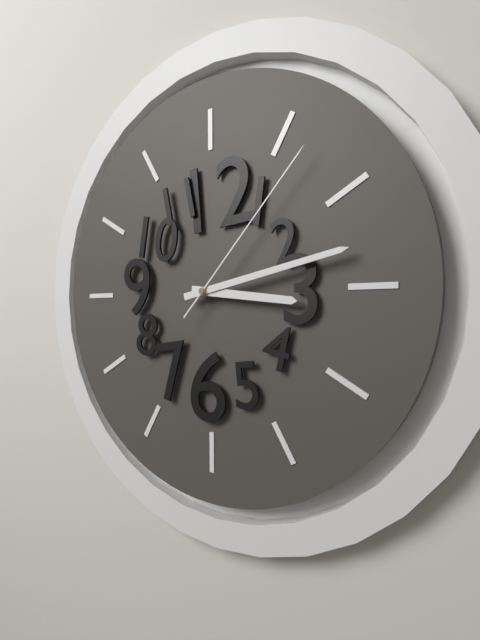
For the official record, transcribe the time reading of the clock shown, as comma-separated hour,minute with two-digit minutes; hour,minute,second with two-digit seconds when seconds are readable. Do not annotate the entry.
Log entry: 3,13,07
